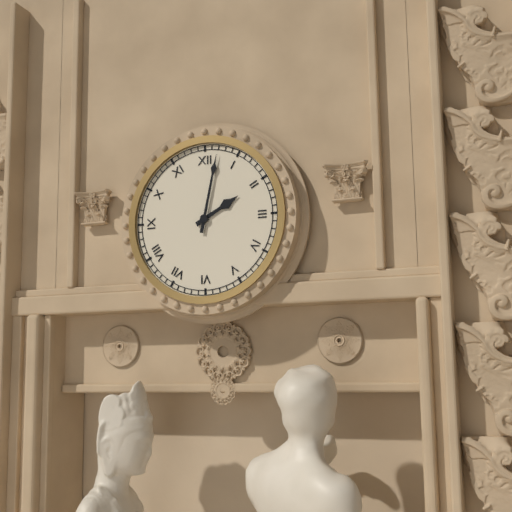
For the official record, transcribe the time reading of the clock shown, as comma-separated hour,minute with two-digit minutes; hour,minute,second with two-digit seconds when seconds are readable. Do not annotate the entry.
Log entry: 2,02
